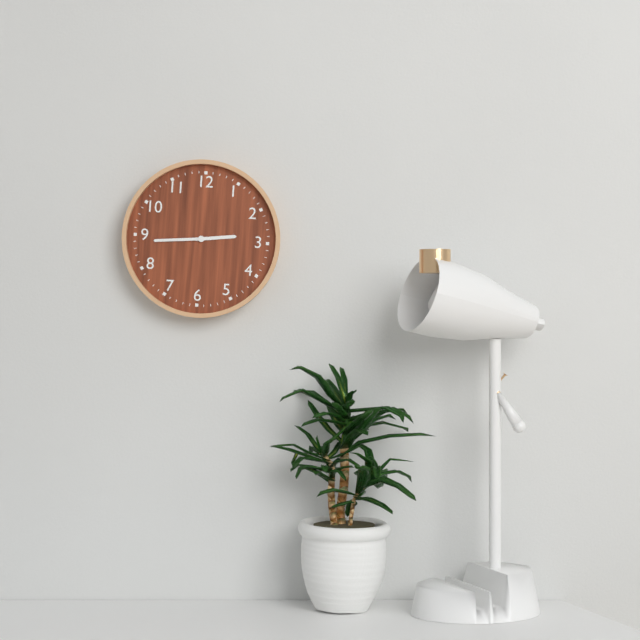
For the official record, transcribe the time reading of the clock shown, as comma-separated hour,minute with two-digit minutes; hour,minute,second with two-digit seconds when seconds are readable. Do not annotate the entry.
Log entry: 2,44
